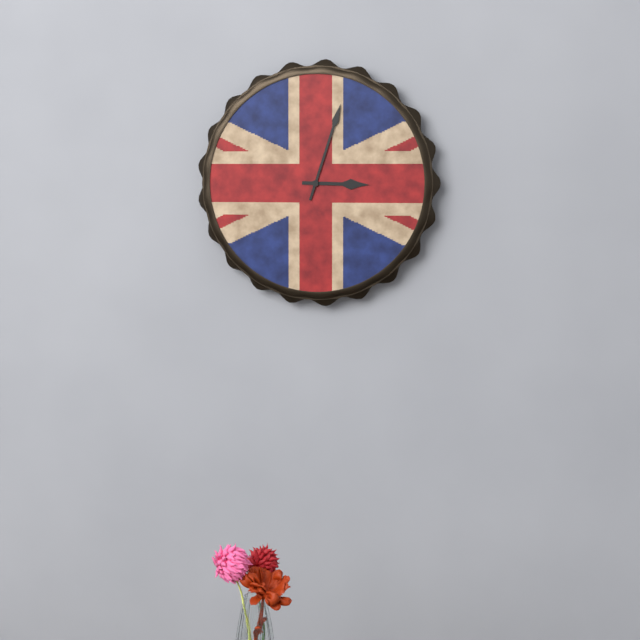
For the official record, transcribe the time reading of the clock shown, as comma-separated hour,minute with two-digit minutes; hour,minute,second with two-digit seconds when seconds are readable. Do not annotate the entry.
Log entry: 3,03
